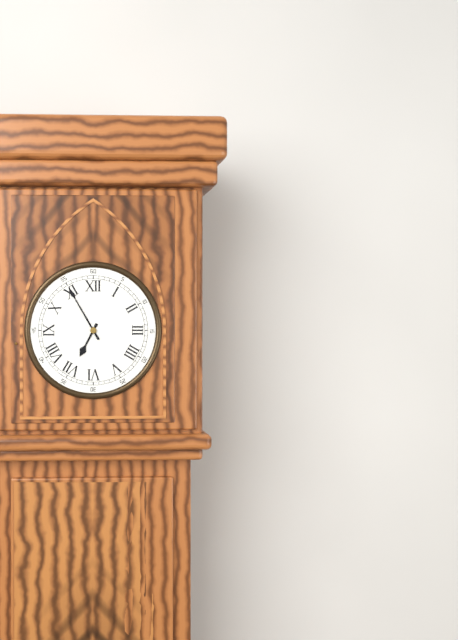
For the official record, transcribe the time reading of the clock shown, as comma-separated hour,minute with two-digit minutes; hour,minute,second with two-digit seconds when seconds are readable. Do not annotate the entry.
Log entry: 6,55
